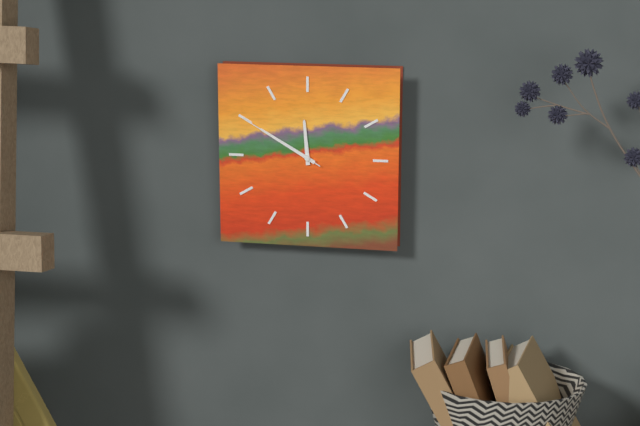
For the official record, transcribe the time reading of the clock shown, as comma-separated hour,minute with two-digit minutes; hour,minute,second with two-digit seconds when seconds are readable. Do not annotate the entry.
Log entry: 11,50,50
